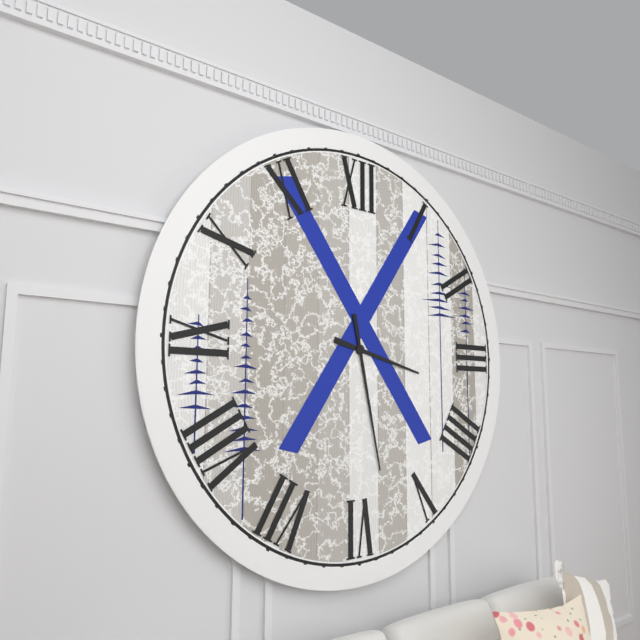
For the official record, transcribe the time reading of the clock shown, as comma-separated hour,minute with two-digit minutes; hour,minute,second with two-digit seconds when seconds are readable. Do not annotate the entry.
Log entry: 3,28
